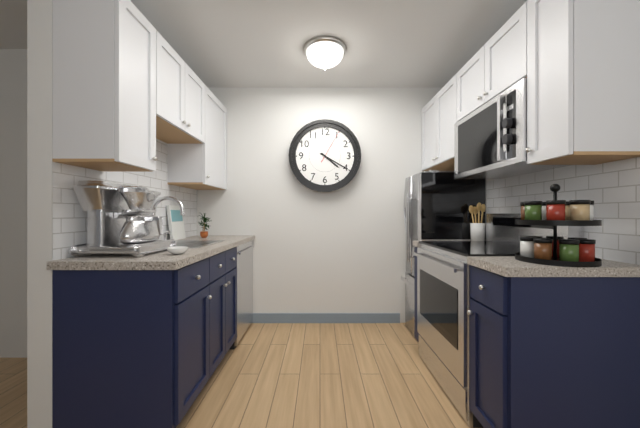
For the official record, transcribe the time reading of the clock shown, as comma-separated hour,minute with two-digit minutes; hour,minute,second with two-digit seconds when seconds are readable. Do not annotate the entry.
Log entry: 4,20
